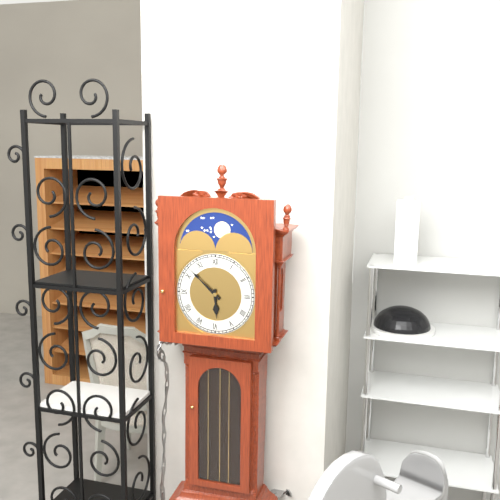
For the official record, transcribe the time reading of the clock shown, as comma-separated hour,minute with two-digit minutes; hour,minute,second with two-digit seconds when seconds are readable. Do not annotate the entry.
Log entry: 5,52
